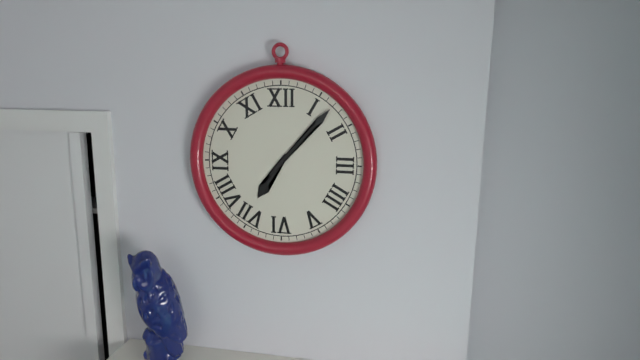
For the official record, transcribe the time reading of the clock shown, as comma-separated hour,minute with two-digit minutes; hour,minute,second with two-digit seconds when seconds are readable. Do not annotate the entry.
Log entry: 7,07
